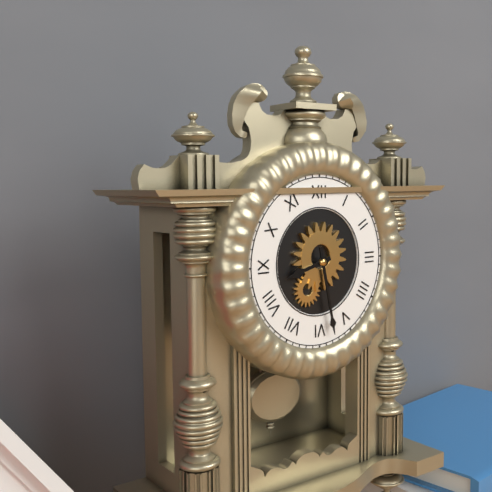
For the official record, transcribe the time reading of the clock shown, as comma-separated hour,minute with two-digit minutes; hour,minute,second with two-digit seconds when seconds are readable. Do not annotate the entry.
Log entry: 8,28
